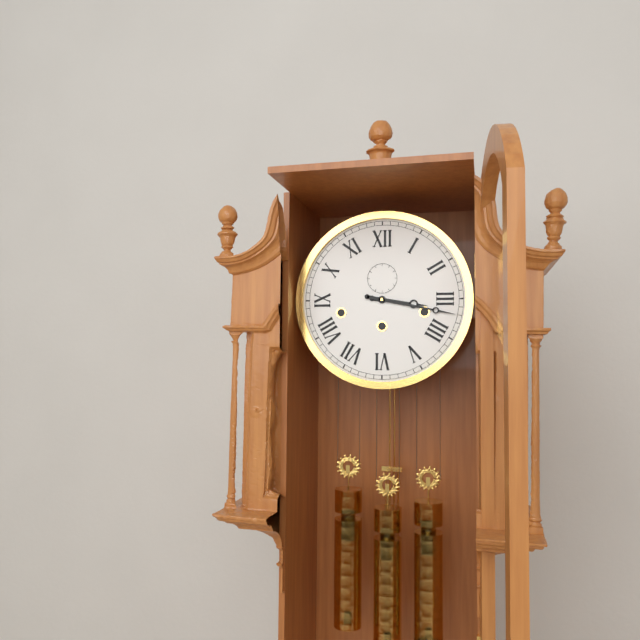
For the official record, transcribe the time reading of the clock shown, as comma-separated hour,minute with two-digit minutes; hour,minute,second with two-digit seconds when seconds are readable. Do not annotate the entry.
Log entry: 3,17
